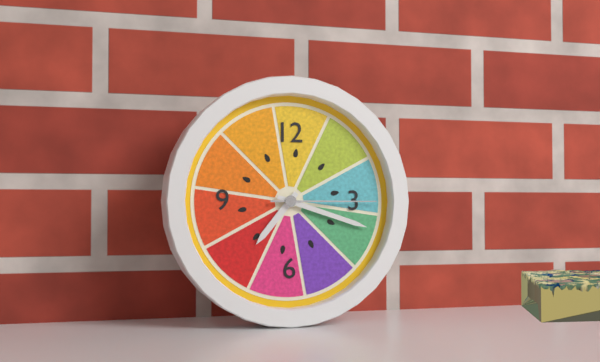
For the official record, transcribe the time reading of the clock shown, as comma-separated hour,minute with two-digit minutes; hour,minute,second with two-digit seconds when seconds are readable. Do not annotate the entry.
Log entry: 7,18,15
